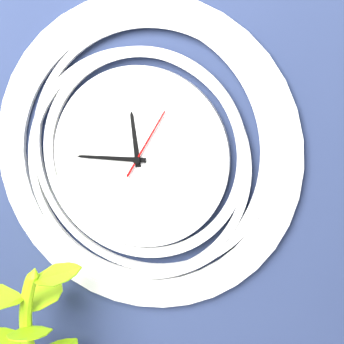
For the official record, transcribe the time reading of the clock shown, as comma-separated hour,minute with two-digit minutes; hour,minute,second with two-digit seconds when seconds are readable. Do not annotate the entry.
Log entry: 11,45,05
